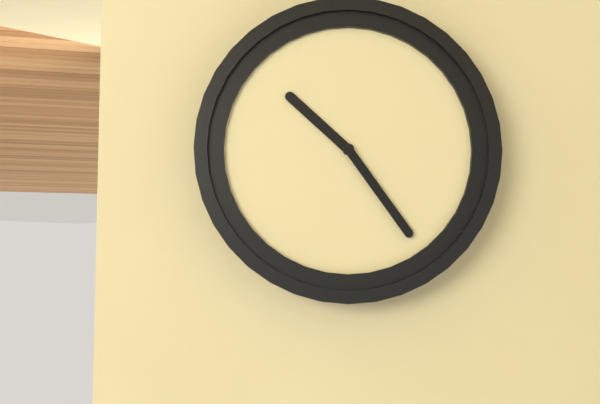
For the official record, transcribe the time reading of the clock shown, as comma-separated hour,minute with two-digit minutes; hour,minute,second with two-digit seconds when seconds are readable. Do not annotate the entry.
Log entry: 10,24
